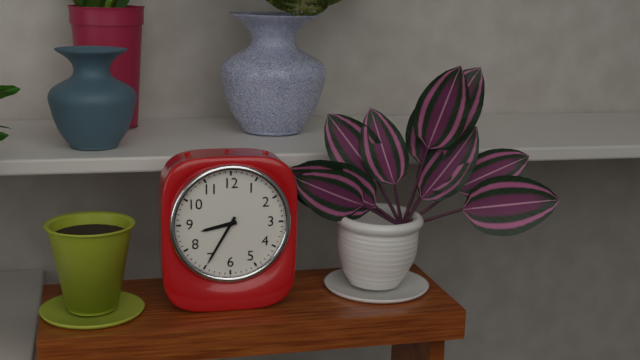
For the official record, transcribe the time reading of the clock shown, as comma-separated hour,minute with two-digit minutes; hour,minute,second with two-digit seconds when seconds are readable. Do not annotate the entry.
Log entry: 8,35
